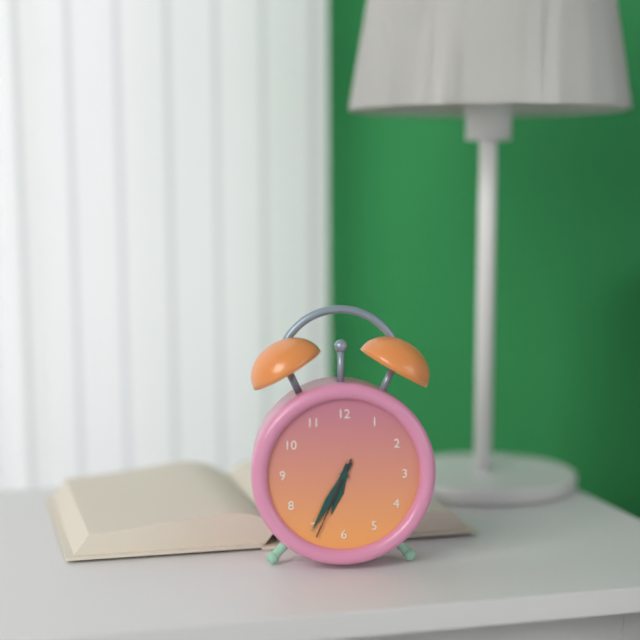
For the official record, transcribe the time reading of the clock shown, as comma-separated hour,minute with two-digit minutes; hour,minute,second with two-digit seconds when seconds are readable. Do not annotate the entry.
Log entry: 6,35,34
